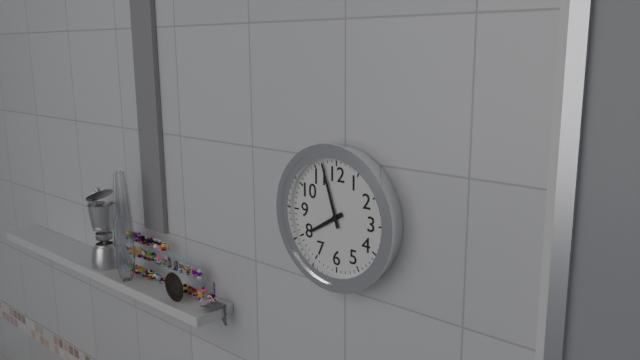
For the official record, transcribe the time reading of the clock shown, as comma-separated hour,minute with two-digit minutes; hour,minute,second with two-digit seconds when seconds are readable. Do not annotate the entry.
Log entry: 7,57
